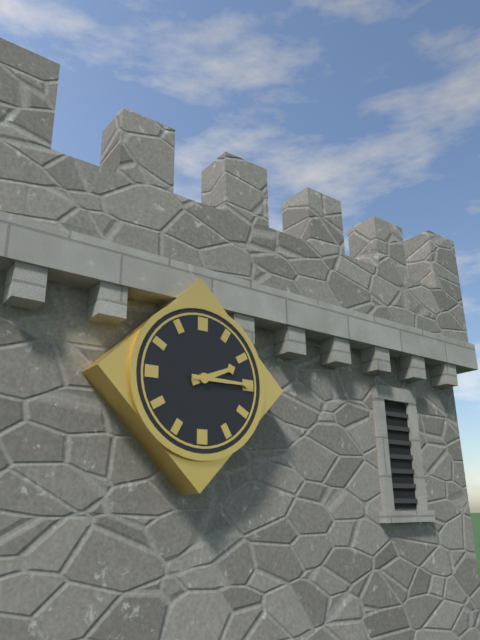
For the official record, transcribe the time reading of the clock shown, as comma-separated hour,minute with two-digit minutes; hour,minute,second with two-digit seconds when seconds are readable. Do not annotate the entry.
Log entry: 2,15
